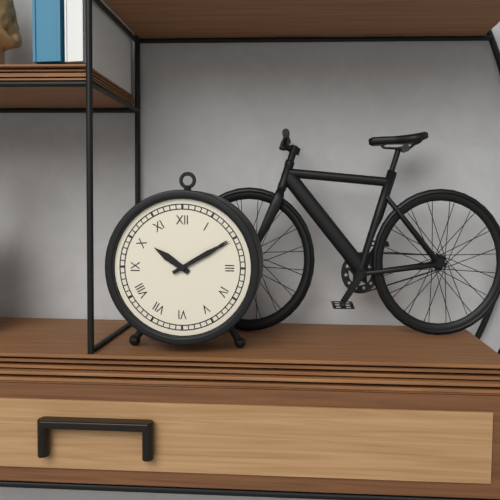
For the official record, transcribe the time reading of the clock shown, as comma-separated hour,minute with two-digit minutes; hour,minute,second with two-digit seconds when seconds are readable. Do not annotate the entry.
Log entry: 10,10
